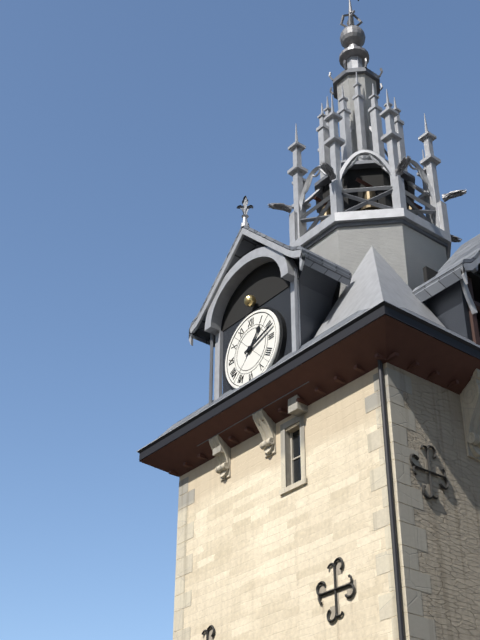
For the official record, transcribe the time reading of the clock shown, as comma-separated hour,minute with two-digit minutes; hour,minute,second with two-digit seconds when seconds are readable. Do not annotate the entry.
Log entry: 1,12
